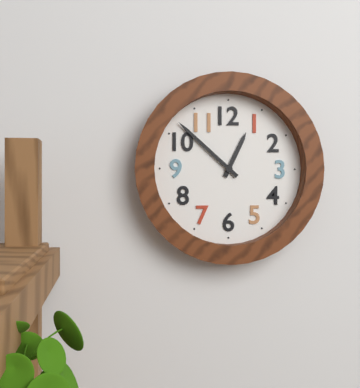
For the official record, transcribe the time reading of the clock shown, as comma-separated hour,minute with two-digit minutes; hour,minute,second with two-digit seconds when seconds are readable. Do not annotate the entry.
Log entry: 12,52
